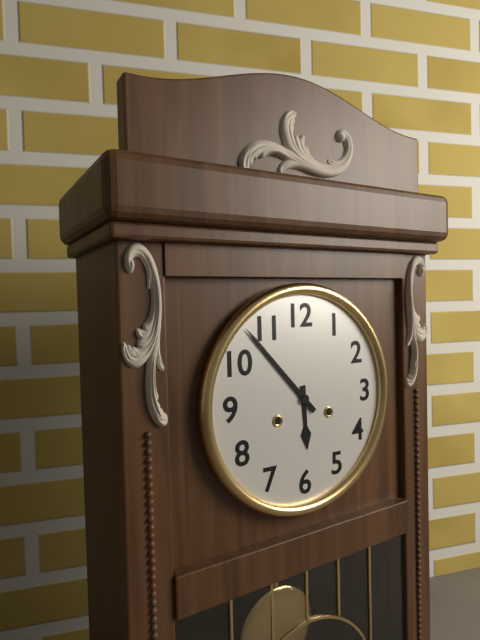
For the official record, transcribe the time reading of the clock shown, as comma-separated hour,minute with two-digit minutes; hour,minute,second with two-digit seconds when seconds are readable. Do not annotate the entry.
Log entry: 5,53
